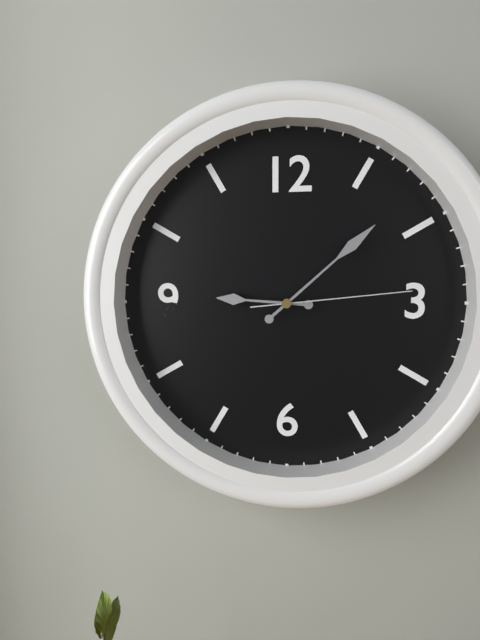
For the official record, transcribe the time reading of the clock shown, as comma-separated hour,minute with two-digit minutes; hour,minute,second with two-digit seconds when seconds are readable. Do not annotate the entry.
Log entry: 9,08,14
